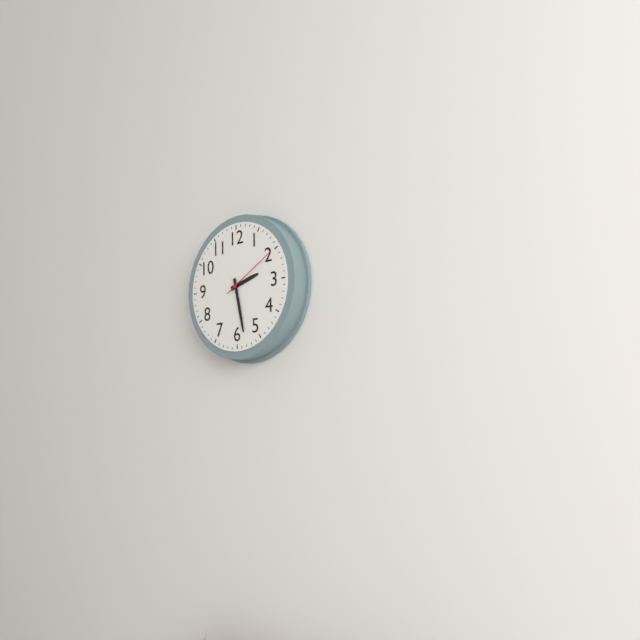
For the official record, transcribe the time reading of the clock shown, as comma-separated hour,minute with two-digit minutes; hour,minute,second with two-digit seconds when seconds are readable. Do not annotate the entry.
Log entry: 2,28,10
